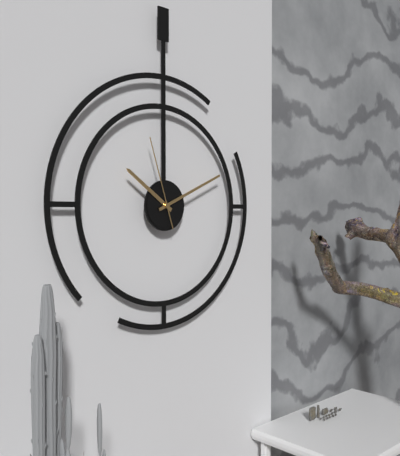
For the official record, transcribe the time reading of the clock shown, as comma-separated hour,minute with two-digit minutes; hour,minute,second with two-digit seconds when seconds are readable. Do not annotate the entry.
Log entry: 10,11,57
